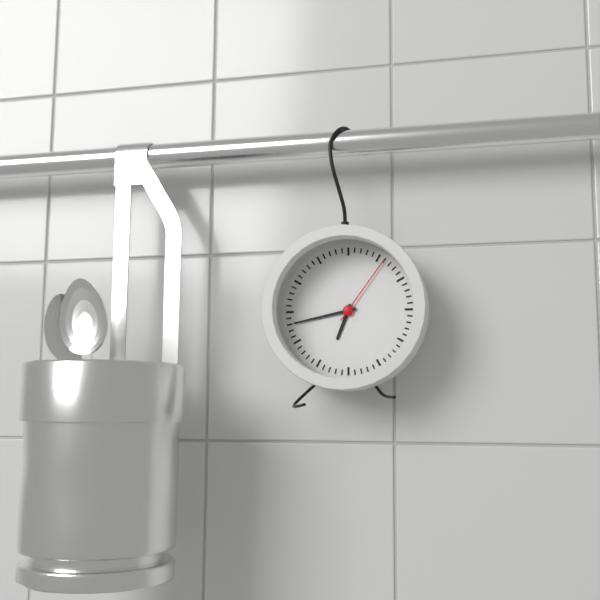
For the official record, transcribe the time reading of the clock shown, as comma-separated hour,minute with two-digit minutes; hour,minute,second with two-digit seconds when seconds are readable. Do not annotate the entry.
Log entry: 6,43,06
